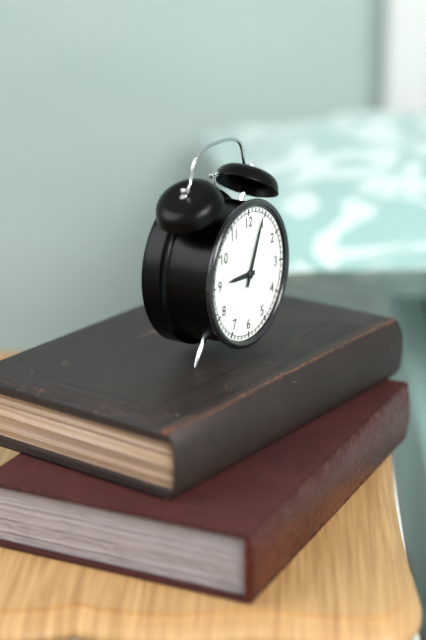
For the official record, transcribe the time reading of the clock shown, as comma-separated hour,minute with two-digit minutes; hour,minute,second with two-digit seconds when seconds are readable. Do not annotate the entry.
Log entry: 9,04
